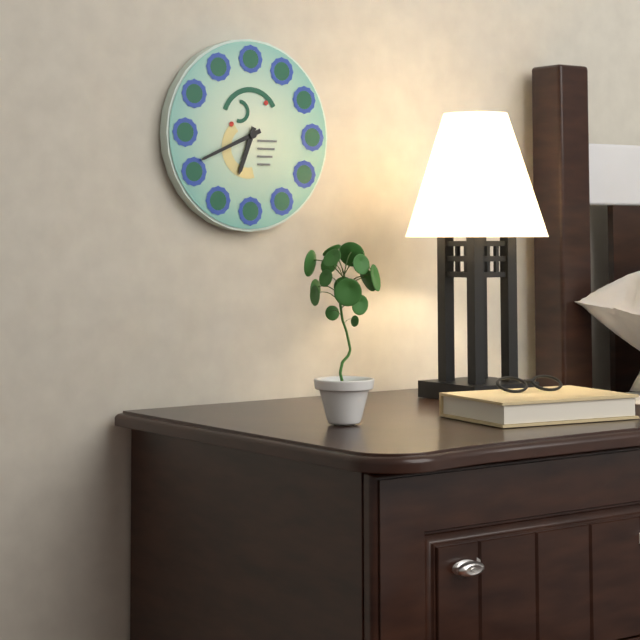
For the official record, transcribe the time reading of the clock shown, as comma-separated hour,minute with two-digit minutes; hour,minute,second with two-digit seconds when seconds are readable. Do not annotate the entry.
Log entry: 6,41
